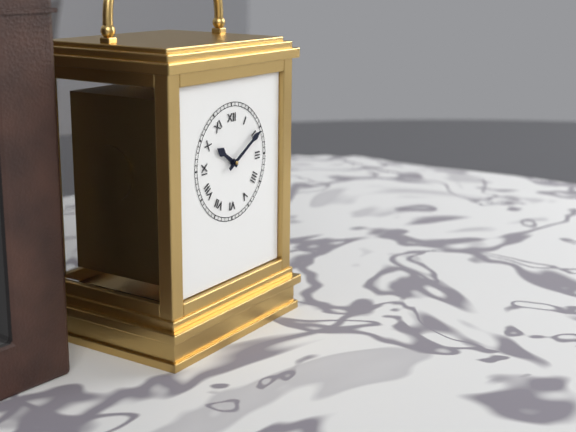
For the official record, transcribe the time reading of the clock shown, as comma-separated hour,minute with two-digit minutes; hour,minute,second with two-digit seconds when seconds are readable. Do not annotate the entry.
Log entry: 10,10
